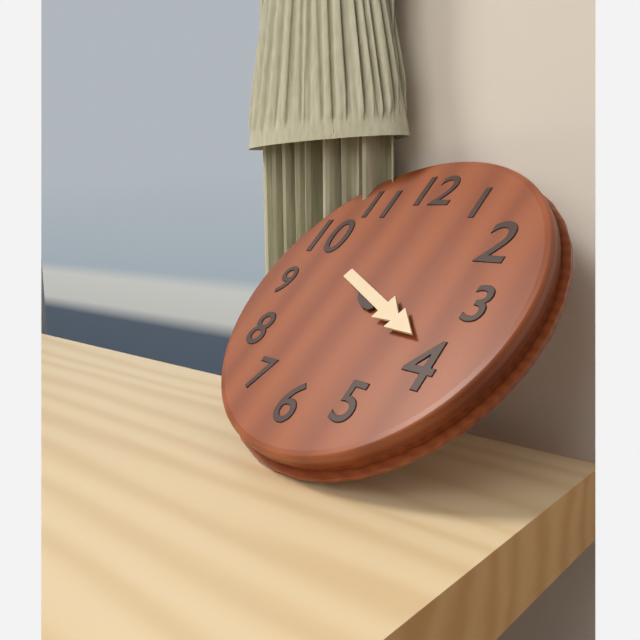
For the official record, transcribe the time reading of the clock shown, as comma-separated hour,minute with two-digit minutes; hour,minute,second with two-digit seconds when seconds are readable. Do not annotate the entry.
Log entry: 4,19
